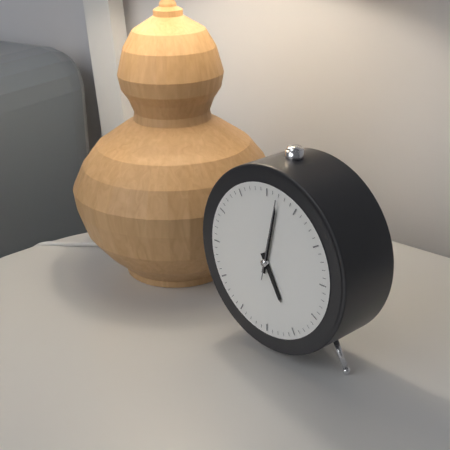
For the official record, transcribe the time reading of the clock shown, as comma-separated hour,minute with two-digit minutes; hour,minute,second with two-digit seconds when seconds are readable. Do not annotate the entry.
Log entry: 5,02,02
